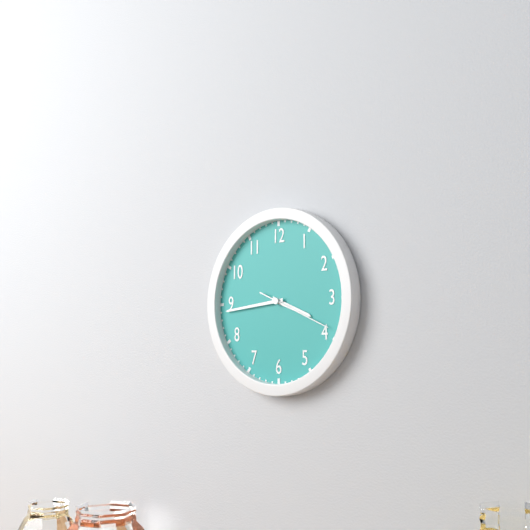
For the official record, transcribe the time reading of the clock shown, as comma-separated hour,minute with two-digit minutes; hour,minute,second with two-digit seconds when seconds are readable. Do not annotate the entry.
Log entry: 3,44,19
